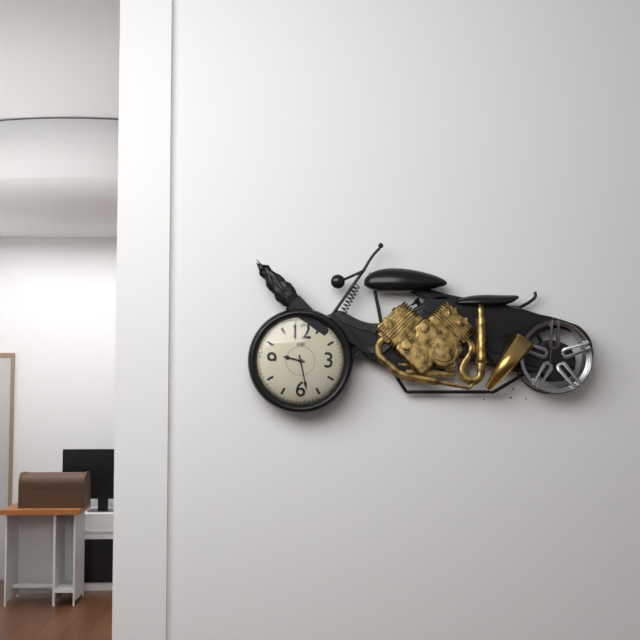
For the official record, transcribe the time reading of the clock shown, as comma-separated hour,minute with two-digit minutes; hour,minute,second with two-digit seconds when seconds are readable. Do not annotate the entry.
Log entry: 9,28
